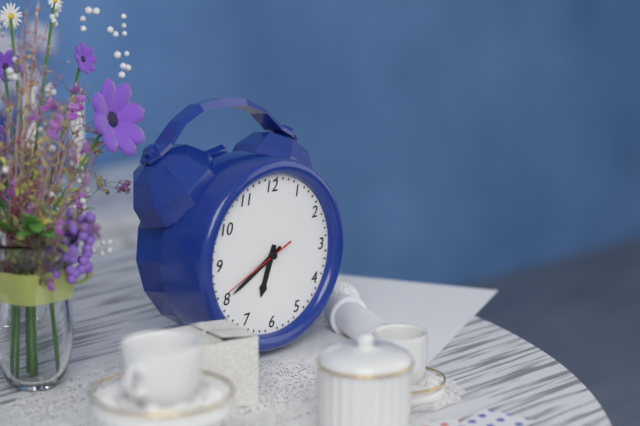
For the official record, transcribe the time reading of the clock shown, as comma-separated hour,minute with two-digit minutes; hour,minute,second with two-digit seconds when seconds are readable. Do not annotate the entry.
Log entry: 6,40,41
